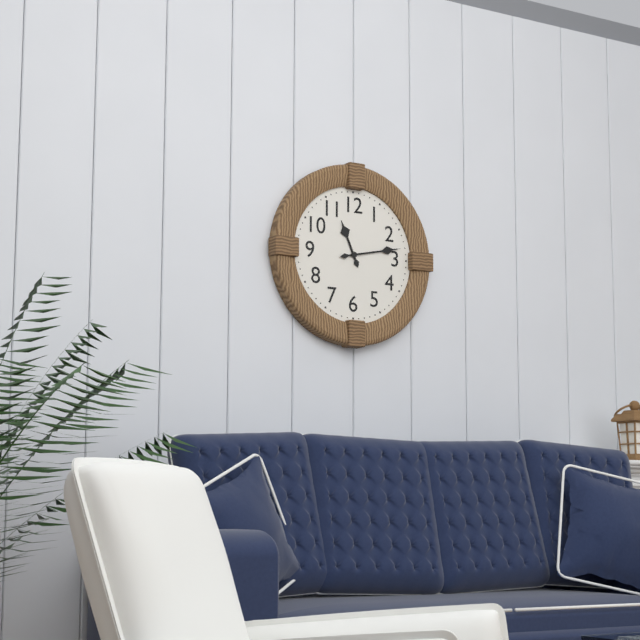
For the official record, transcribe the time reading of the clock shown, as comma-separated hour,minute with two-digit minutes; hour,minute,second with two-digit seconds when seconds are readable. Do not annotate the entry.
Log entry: 11,13
